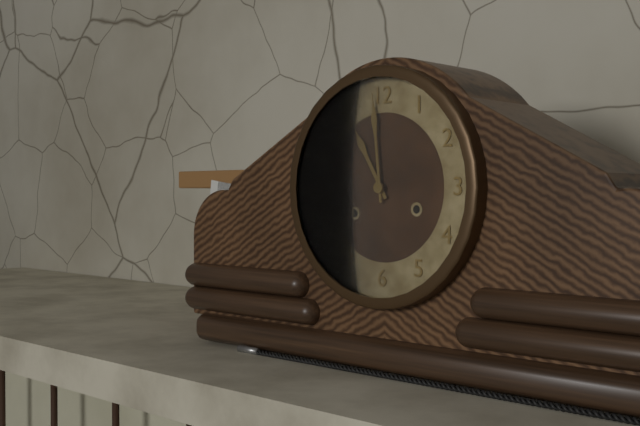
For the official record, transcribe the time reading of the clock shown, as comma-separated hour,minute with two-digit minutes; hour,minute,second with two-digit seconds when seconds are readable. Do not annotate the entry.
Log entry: 10,59
